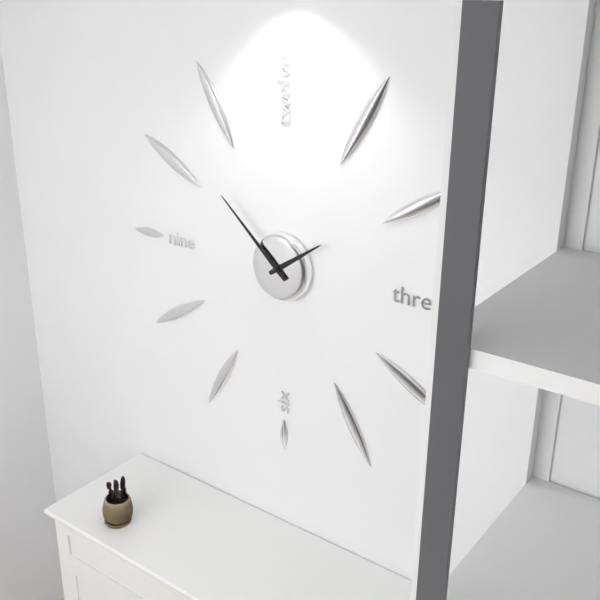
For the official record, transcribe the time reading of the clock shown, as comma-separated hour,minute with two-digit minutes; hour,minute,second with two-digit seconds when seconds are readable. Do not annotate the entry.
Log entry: 1,52
